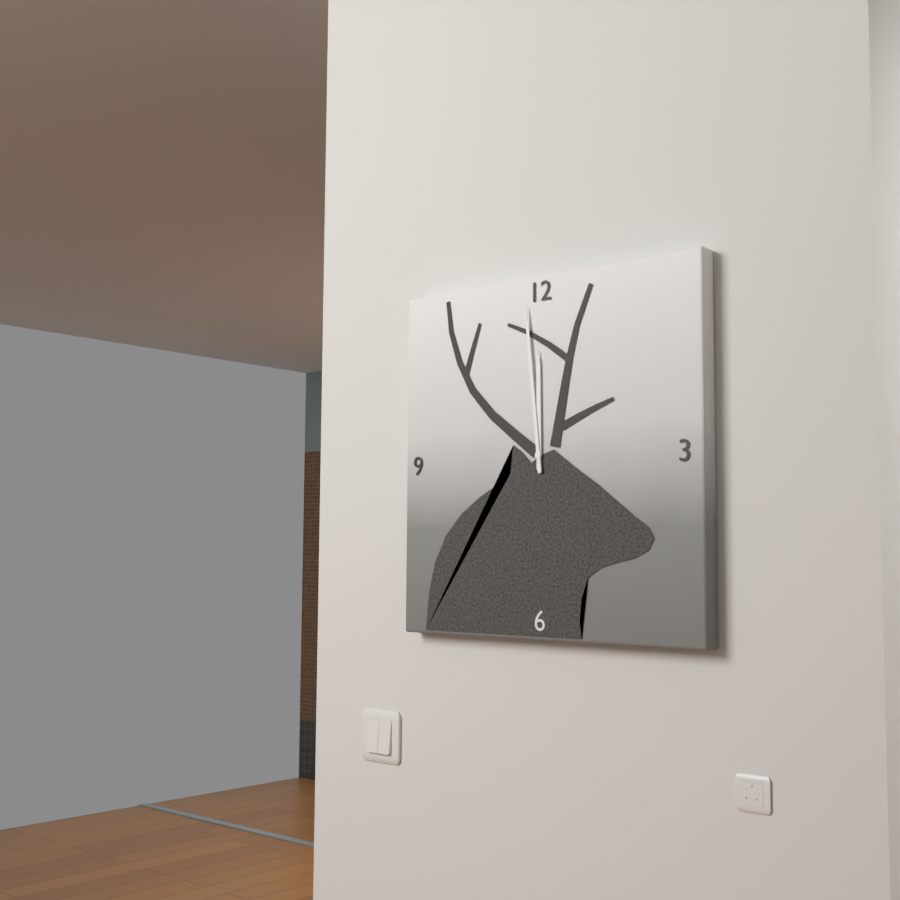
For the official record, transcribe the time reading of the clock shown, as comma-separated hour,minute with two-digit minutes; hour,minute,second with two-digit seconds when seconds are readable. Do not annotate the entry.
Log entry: 11,59
